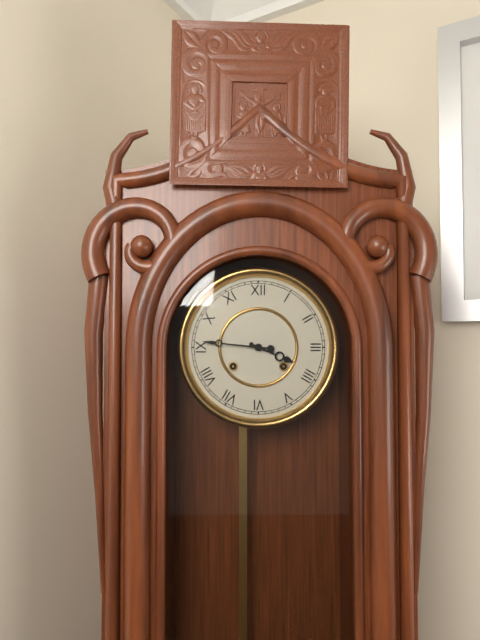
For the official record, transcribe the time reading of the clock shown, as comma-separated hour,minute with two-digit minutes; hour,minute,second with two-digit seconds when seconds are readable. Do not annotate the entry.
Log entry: 3,46
